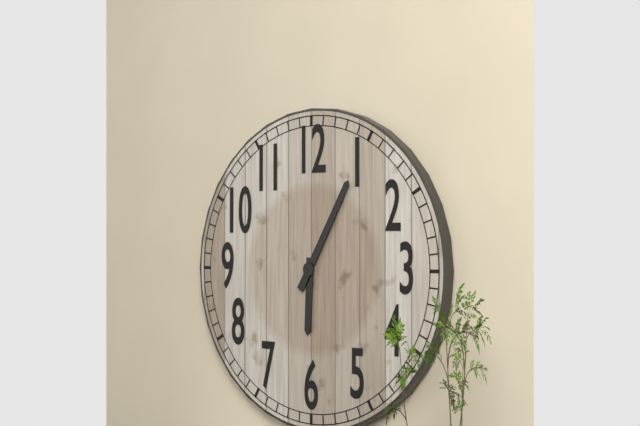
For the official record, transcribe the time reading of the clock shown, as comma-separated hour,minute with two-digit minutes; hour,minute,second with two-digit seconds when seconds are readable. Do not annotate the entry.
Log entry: 6,05
